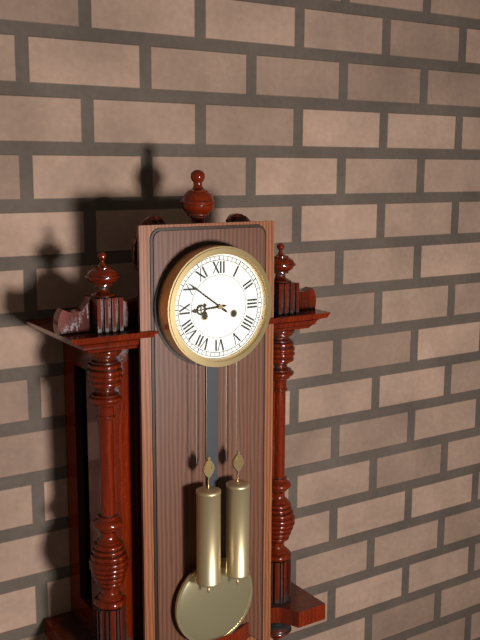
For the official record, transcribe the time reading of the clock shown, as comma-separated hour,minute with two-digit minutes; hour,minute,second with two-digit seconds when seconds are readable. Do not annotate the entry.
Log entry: 8,51
